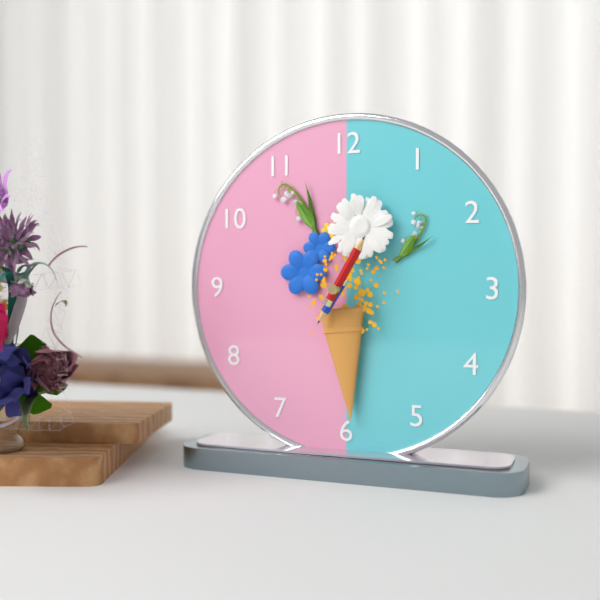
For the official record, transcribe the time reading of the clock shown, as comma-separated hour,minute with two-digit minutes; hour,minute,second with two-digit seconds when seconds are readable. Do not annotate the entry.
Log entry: 7,05
